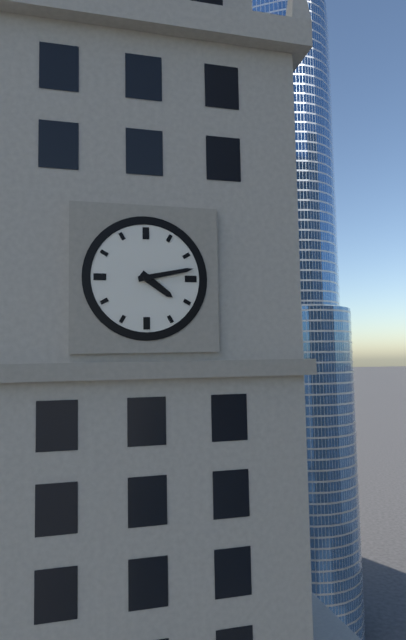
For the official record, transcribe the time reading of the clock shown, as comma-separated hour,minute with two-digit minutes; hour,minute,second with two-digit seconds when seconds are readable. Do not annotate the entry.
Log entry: 4,13
